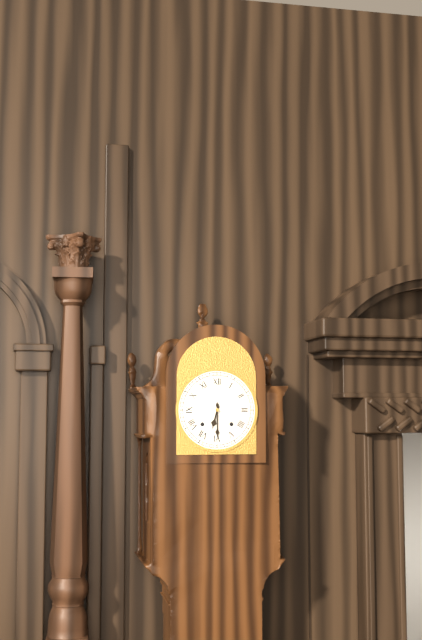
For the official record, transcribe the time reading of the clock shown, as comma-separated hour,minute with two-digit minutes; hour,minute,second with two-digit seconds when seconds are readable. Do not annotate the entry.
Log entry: 6,30
